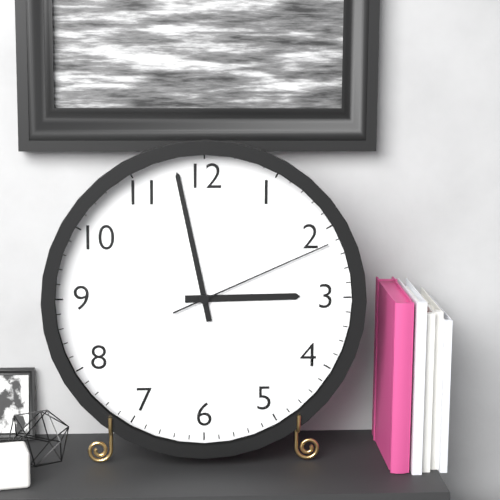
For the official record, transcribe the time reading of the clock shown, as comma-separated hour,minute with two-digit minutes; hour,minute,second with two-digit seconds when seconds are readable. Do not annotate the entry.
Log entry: 2,58,11
